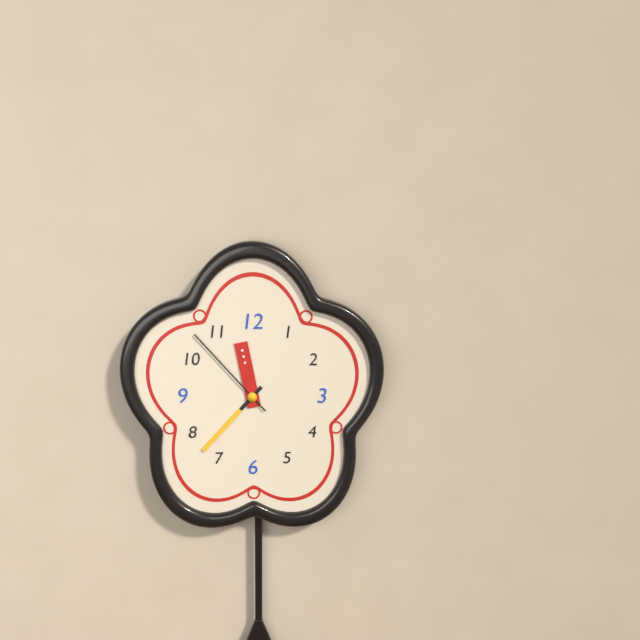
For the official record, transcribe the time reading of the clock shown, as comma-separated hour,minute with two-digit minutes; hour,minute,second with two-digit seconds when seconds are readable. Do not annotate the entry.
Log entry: 11,37,53
